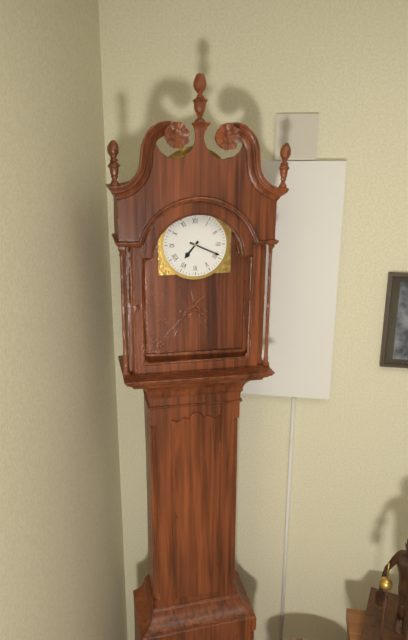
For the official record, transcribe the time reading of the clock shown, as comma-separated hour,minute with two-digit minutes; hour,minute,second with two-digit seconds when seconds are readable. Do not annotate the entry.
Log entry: 7,19
